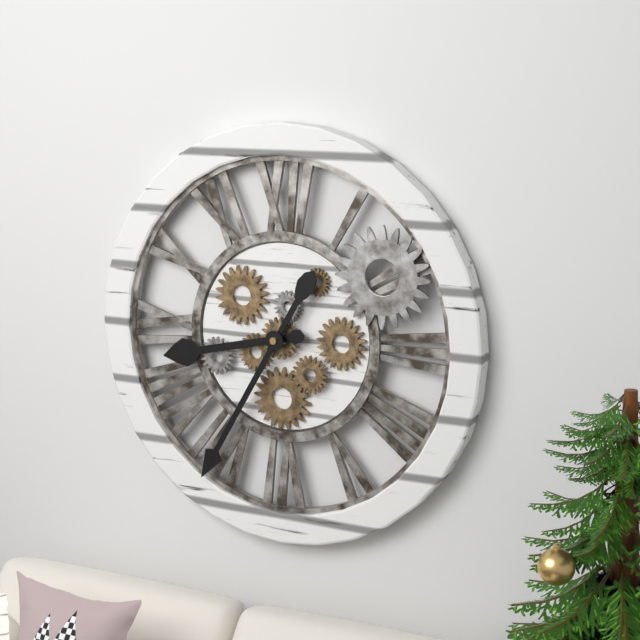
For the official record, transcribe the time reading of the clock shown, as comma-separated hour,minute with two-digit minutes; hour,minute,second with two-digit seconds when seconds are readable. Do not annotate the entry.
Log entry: 8,35
